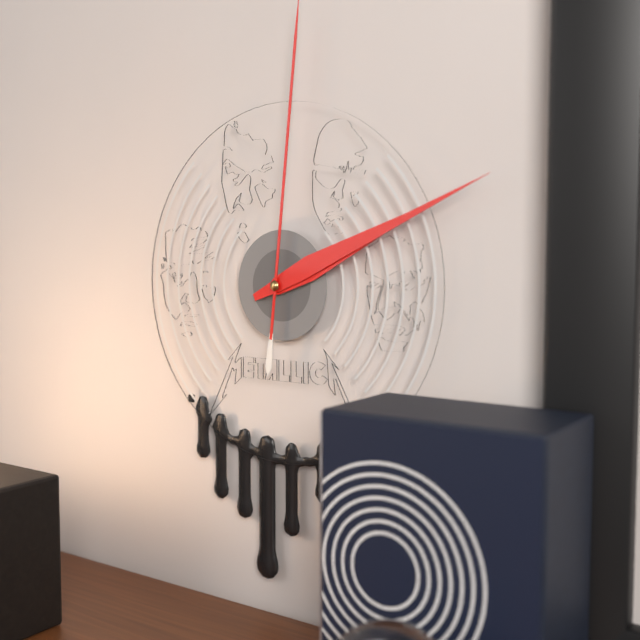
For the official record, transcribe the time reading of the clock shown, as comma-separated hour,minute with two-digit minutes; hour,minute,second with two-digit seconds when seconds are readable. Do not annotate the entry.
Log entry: 2,11
